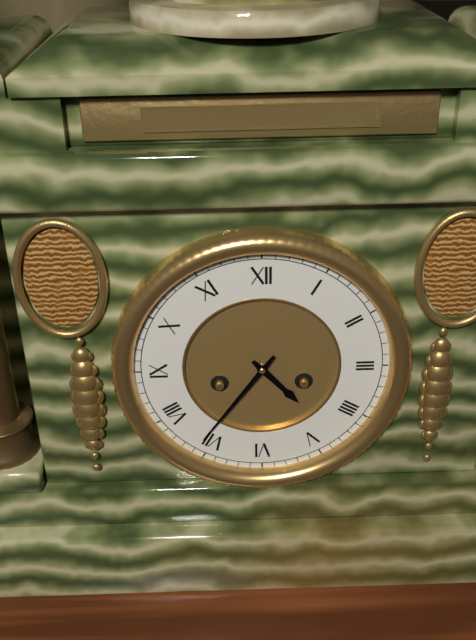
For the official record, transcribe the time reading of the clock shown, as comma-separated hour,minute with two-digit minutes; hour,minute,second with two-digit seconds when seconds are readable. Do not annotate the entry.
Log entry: 4,36
